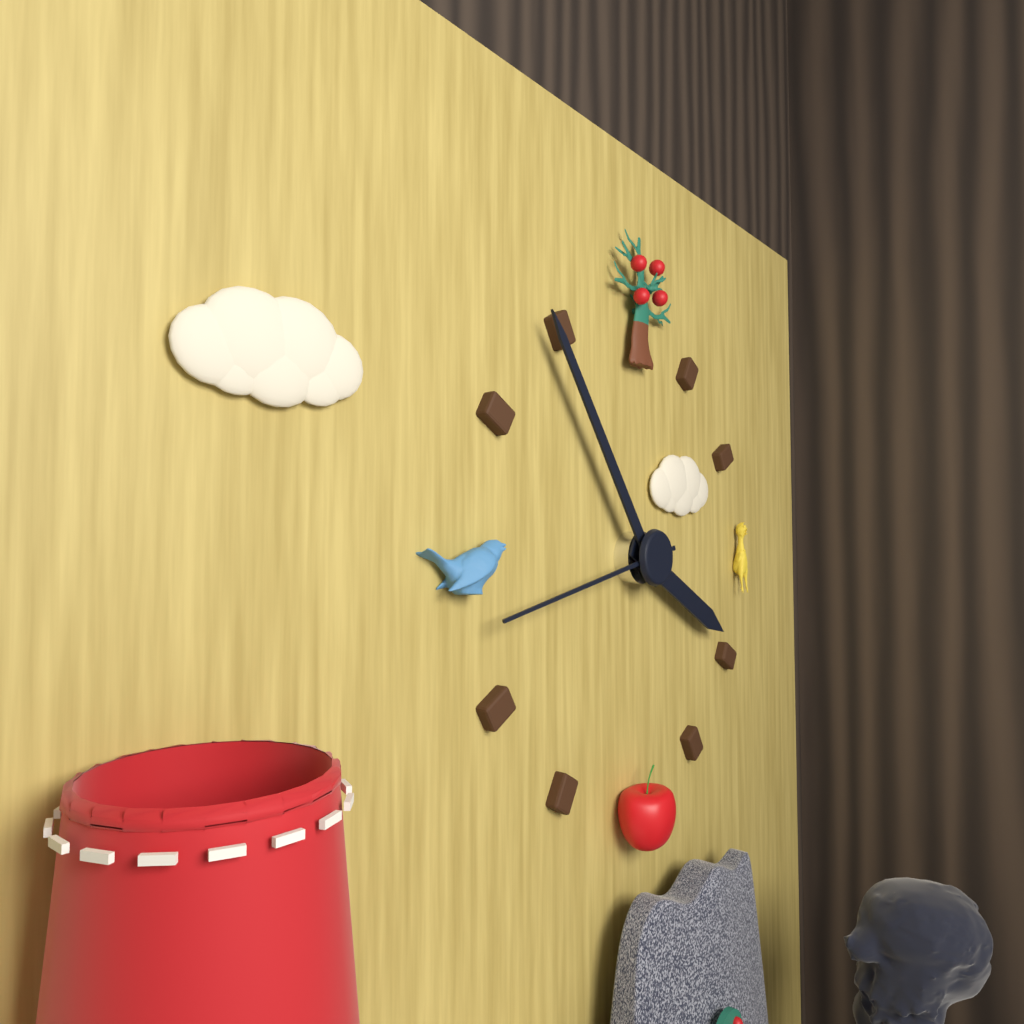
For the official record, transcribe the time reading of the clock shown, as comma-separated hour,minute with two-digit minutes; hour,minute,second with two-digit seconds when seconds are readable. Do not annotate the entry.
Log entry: 3,54,43
